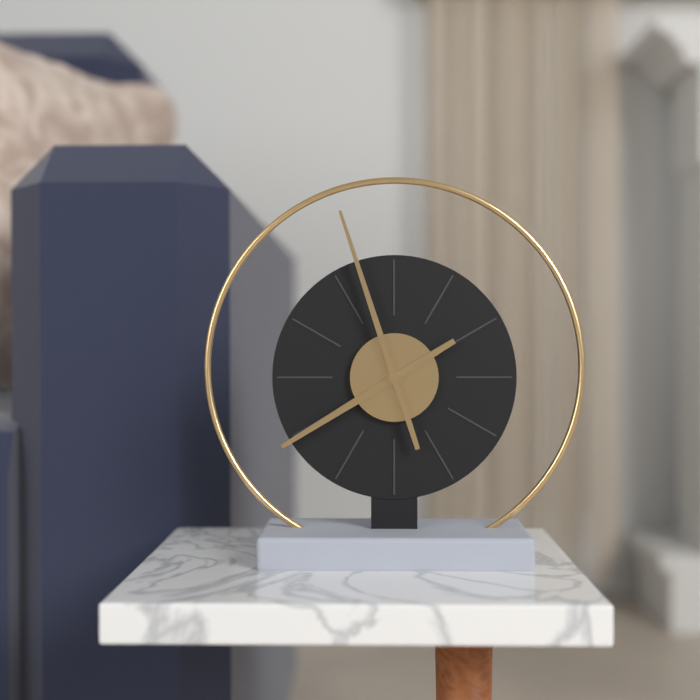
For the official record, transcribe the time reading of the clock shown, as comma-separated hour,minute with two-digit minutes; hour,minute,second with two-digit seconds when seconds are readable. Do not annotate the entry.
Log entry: 7,57
